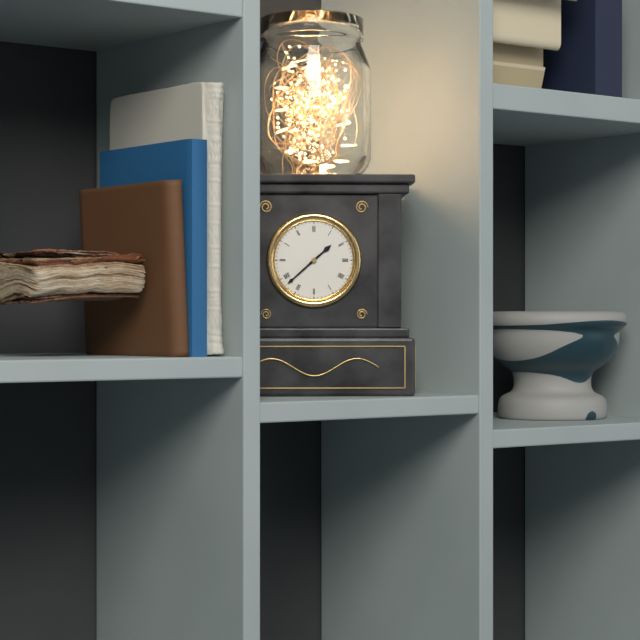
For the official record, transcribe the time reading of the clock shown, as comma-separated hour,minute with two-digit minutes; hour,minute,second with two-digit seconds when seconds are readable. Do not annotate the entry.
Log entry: 1,38
